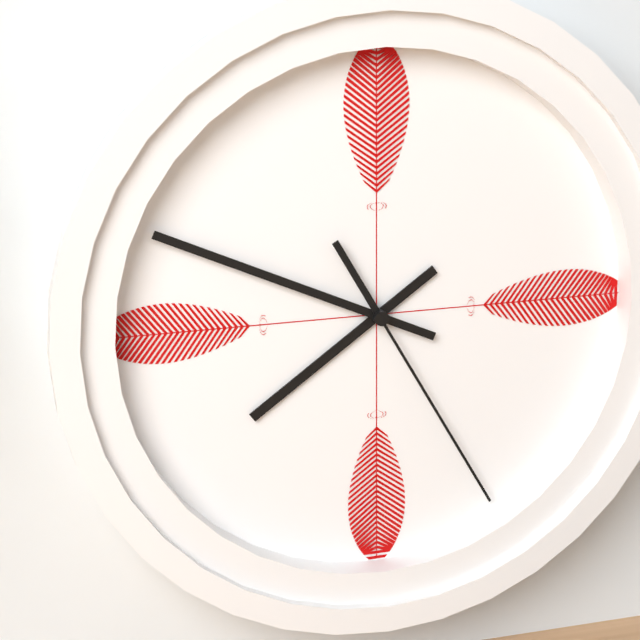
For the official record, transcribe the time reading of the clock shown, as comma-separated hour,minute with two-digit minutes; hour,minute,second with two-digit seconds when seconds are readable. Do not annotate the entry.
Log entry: 7,49,25
